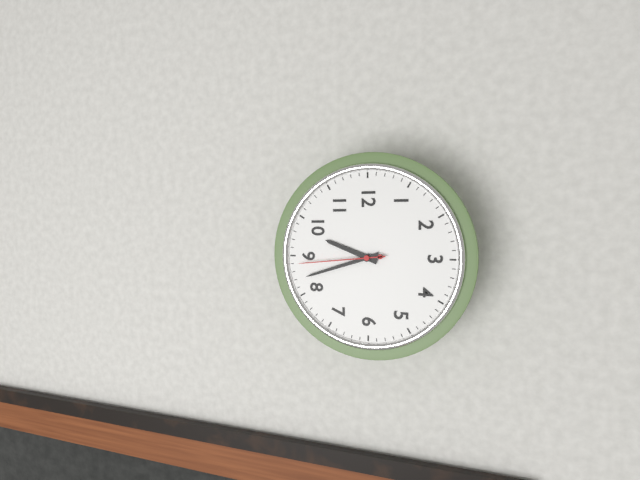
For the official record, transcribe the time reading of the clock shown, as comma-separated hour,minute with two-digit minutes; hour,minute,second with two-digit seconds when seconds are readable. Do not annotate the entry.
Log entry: 9,42,44
